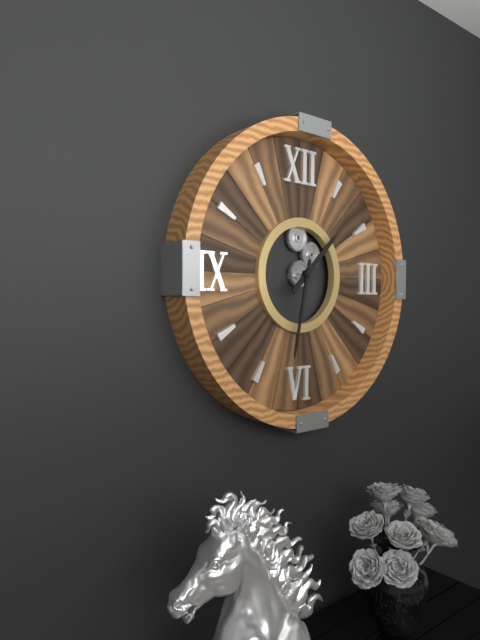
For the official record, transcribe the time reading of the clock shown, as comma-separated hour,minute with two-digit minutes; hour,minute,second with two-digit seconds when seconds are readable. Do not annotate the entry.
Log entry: 1,32
